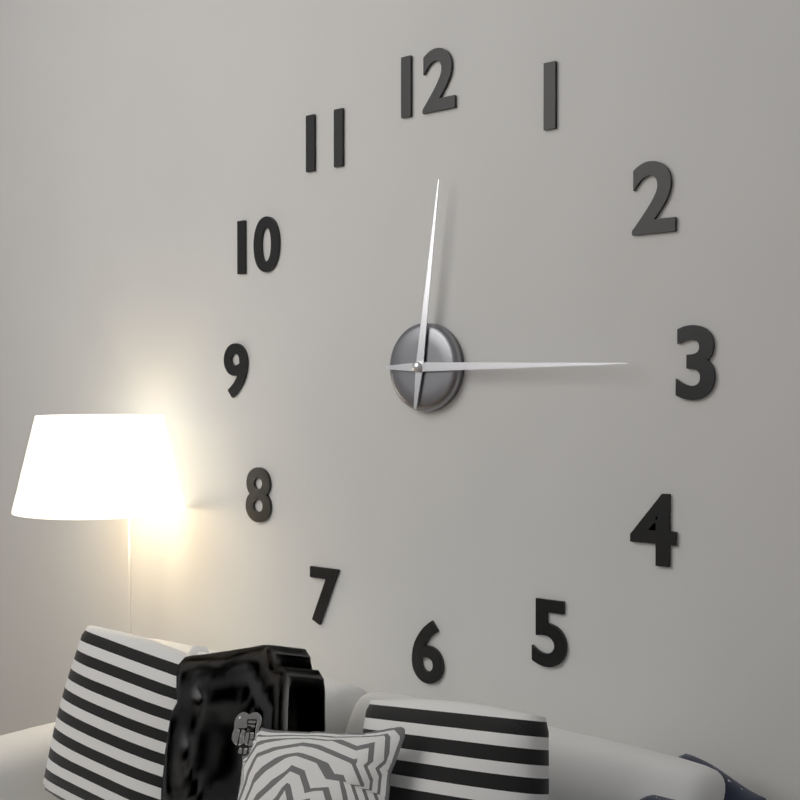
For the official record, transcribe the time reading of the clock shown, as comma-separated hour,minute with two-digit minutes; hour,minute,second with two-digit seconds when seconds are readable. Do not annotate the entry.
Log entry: 12,15
